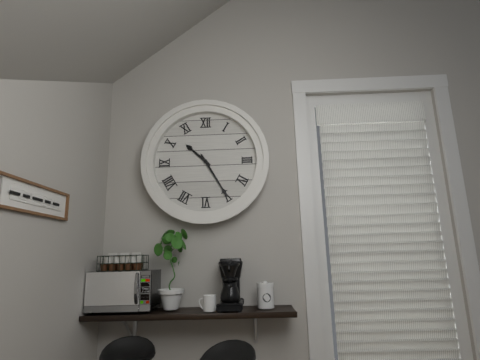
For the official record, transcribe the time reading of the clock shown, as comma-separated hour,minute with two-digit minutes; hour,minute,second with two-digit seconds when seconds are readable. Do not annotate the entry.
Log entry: 10,25
